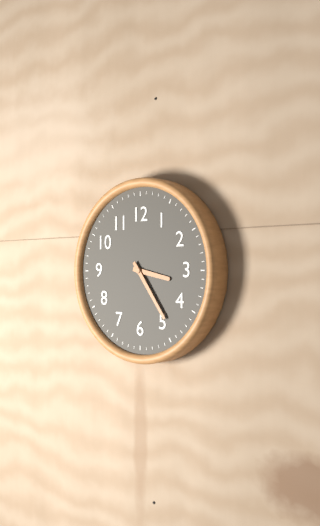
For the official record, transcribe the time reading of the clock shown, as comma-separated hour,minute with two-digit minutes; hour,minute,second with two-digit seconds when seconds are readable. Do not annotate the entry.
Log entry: 3,24
